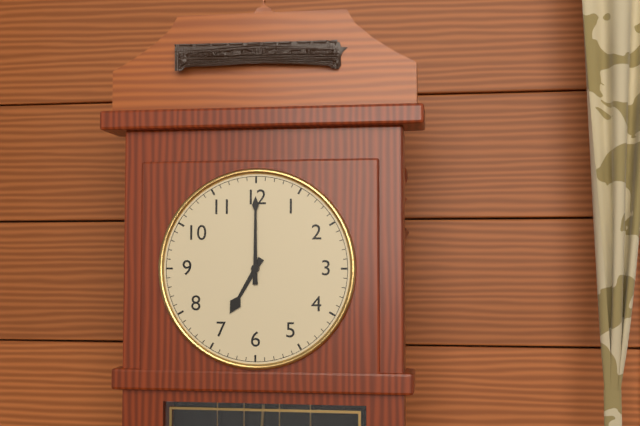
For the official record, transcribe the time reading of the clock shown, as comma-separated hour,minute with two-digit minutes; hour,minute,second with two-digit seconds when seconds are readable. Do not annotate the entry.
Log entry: 7,00
